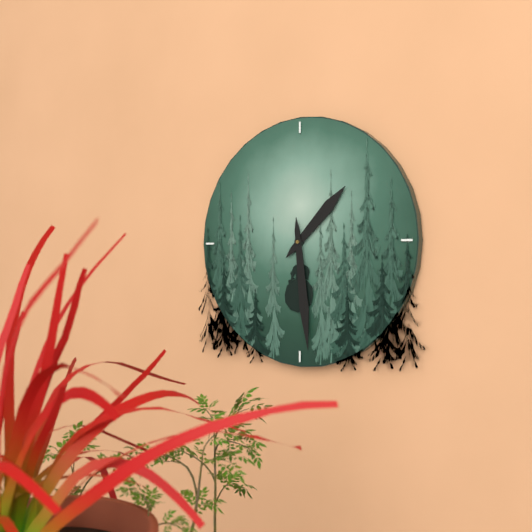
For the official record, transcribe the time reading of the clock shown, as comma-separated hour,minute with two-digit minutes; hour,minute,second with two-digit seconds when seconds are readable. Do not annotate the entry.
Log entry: 1,29
